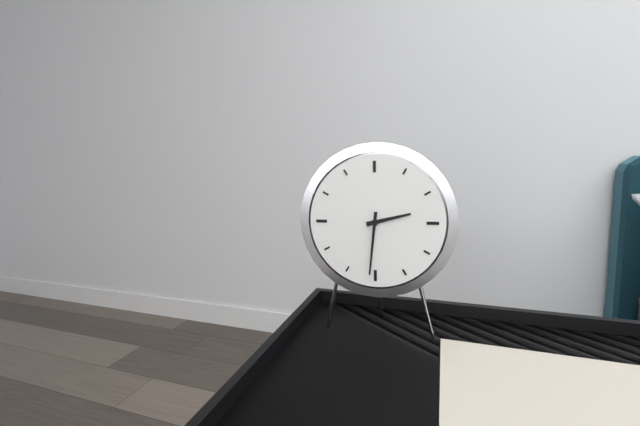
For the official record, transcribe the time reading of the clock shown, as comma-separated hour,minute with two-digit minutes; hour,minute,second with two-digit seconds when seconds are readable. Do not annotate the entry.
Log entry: 2,31
